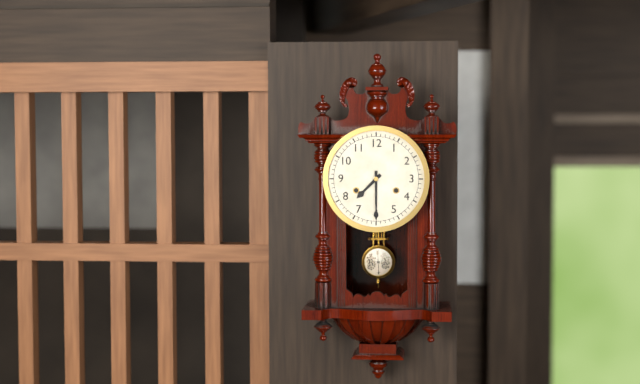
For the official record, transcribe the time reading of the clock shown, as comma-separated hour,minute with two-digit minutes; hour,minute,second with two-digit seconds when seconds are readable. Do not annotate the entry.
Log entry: 7,30
